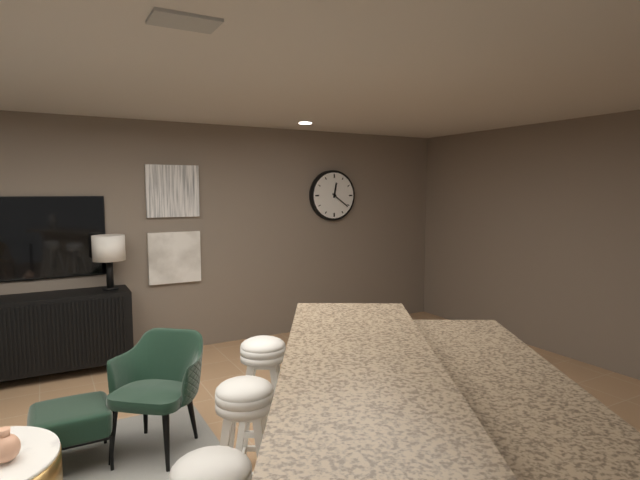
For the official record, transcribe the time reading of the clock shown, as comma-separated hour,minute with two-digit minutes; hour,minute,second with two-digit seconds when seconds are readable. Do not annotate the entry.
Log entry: 12,21
